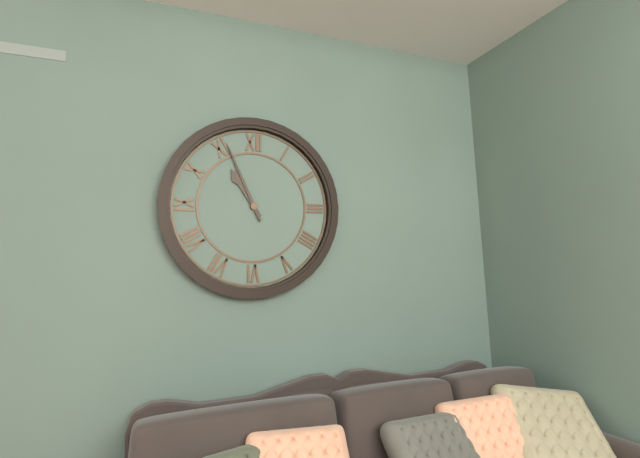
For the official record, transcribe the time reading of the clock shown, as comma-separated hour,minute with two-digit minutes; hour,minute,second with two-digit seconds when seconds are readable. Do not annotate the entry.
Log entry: 10,56
